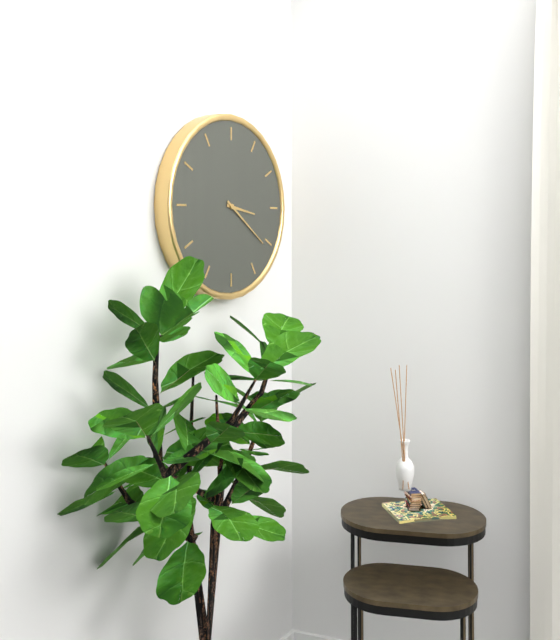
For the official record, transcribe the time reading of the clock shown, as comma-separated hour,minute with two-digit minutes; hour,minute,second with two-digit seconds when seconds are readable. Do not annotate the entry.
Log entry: 3,21
